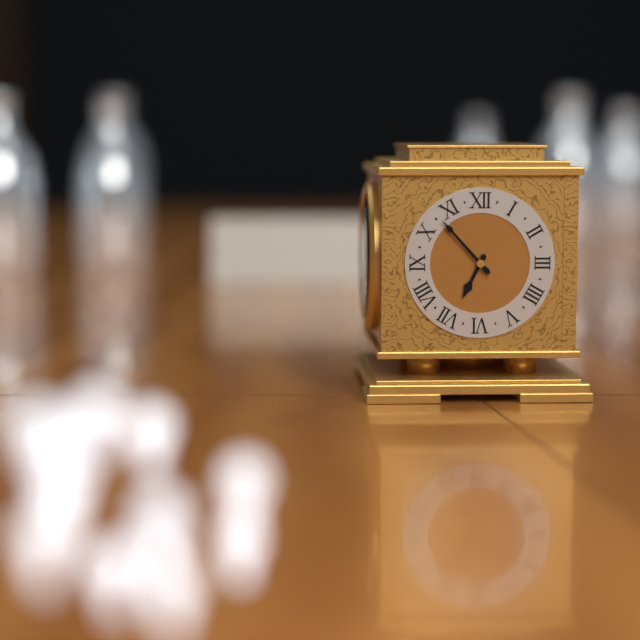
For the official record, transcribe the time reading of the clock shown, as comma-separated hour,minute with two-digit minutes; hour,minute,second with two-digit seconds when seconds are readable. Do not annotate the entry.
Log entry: 6,53
